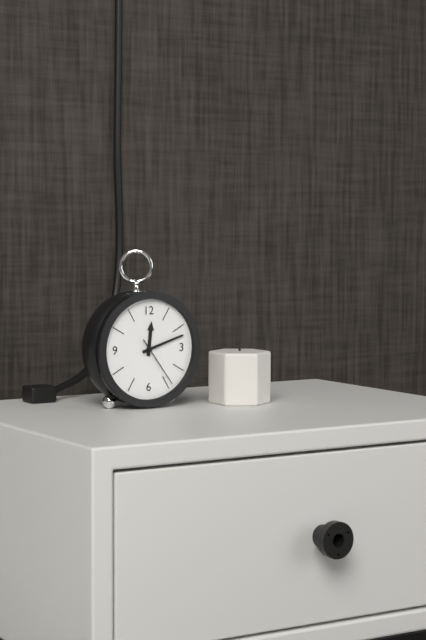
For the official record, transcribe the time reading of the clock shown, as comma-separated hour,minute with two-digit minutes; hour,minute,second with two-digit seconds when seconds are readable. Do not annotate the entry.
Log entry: 12,12,24
